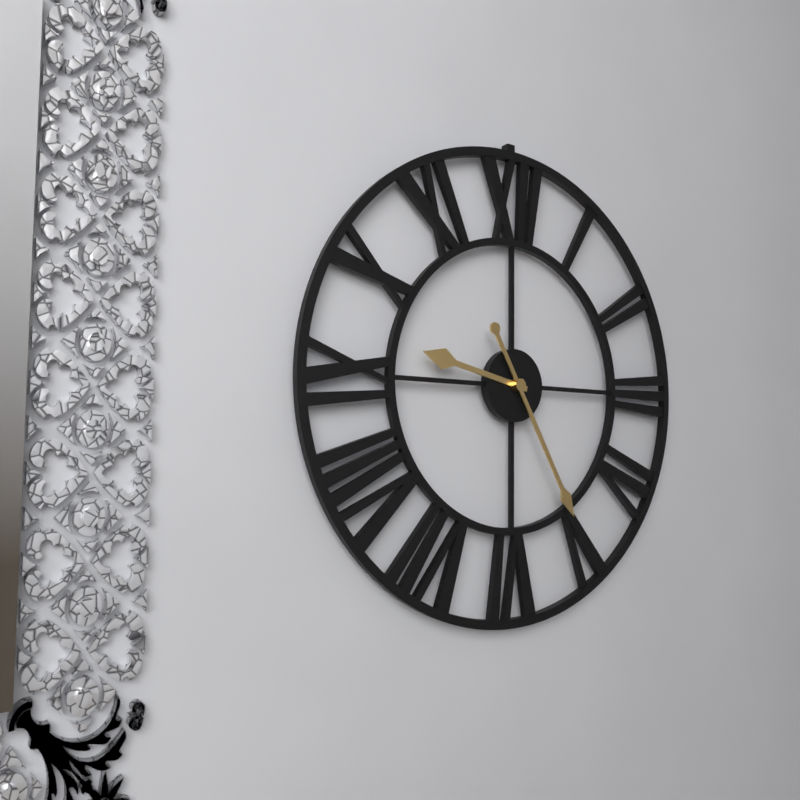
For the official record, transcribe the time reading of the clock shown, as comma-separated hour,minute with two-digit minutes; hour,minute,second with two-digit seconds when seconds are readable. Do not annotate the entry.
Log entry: 9,25
